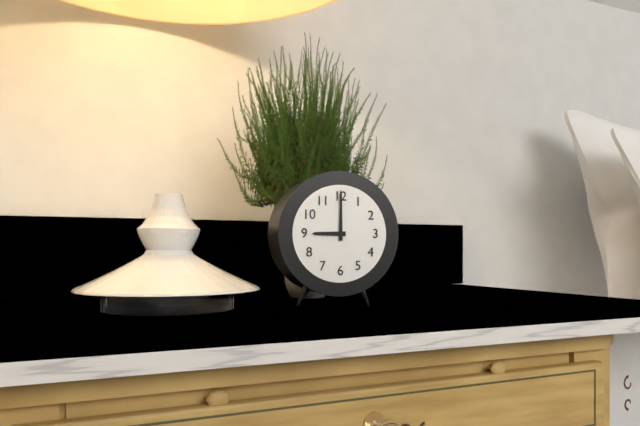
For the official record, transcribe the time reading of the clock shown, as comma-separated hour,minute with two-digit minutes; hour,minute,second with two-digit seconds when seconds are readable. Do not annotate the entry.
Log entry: 9,00
